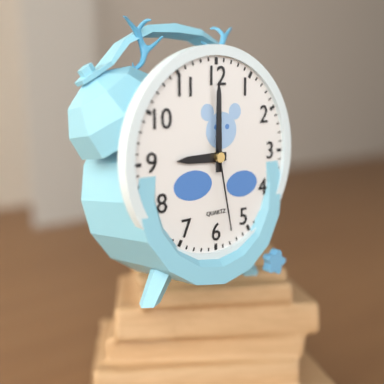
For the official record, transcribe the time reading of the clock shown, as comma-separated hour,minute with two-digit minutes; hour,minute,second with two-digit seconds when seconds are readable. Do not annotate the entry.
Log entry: 9,00,28
